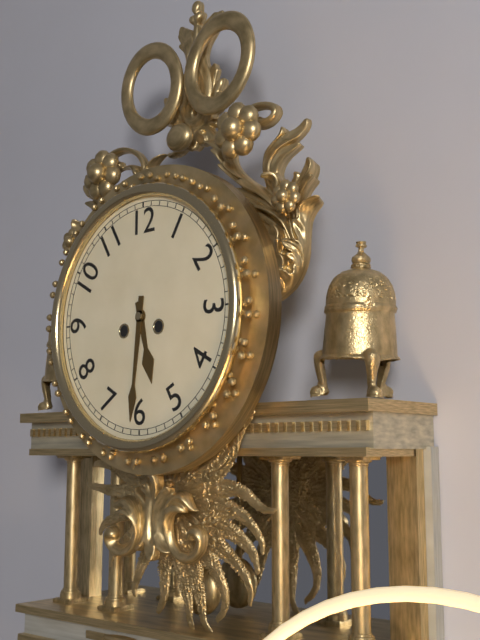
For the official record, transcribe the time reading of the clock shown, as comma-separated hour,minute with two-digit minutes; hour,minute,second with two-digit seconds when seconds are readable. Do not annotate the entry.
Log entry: 5,31
